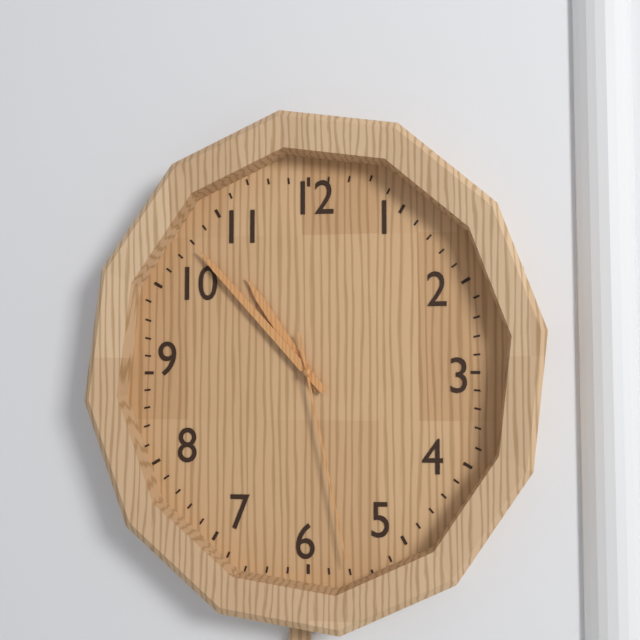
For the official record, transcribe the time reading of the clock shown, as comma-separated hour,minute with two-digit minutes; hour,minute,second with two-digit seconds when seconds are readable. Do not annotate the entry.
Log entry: 10,53,28
